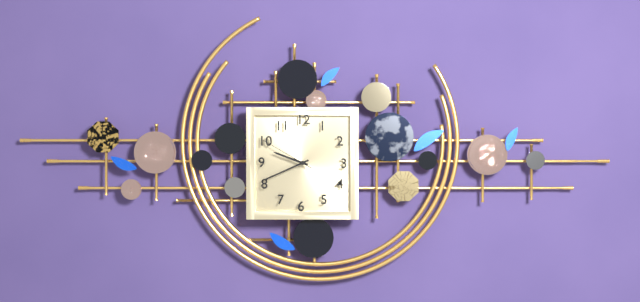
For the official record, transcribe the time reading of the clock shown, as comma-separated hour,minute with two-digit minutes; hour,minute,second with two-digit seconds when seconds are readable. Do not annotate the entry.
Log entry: 9,41,50
